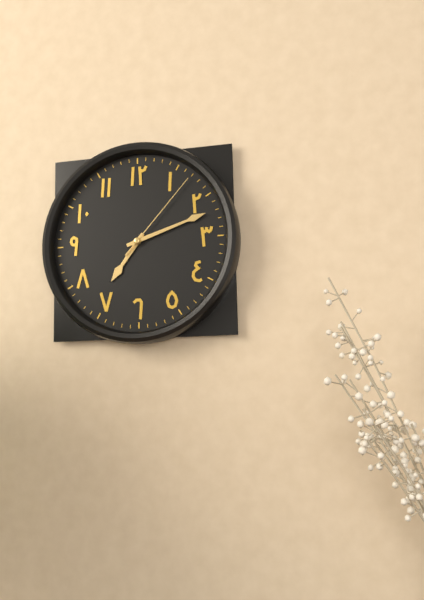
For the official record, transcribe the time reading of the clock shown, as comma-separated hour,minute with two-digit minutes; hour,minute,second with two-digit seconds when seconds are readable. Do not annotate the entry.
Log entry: 7,12,07
